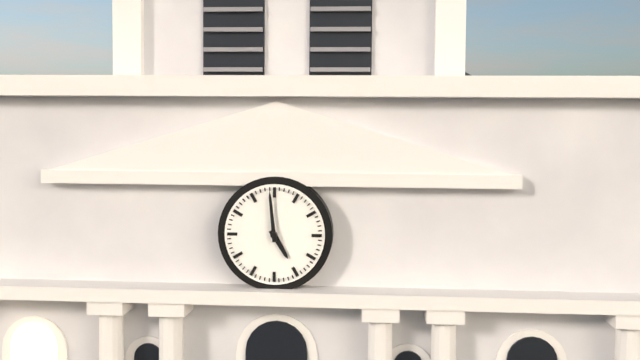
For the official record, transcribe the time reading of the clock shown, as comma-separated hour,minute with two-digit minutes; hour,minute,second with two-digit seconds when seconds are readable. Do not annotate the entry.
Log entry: 4,59
